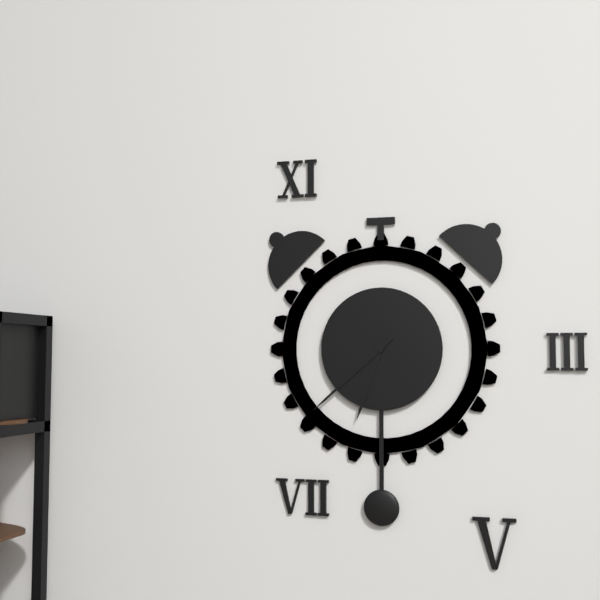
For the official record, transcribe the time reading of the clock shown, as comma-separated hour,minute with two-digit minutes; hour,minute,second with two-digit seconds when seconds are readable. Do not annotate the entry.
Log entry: 6,38
